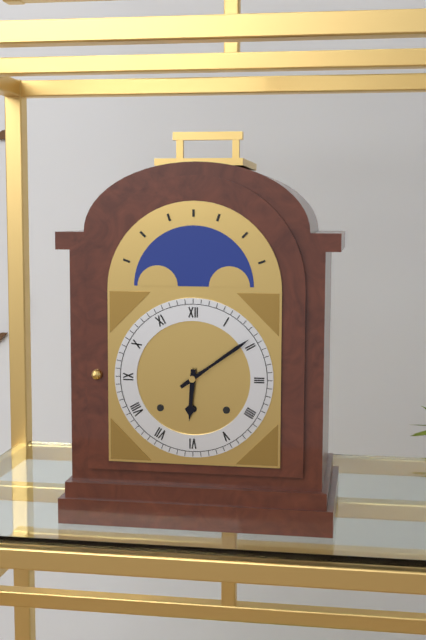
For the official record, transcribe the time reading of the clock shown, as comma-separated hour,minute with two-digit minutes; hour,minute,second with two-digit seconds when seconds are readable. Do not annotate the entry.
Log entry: 6,09
